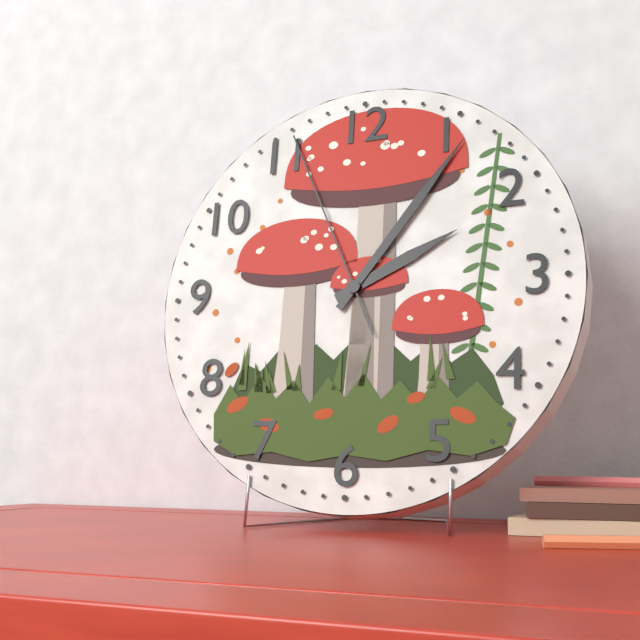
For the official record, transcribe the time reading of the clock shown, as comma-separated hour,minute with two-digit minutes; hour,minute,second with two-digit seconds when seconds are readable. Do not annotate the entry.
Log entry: 2,06,56
